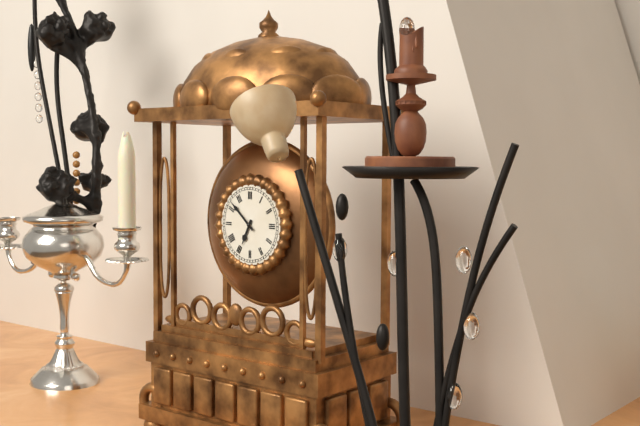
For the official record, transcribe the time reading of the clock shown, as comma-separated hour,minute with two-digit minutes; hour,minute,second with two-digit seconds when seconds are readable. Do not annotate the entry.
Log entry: 6,52
